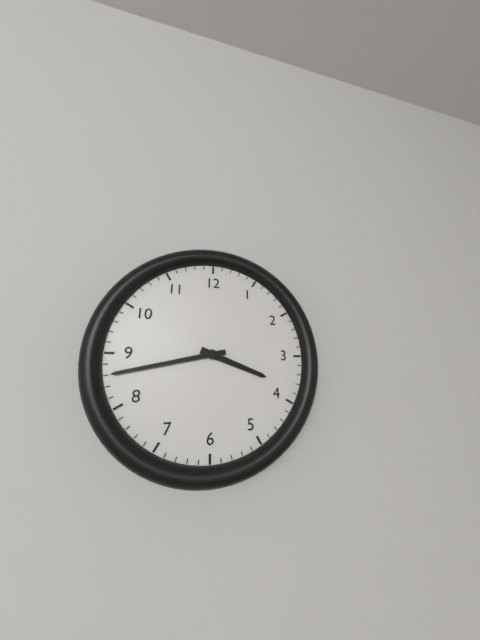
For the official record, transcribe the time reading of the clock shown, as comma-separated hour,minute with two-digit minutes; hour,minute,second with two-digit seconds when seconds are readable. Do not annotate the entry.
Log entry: 3,43
